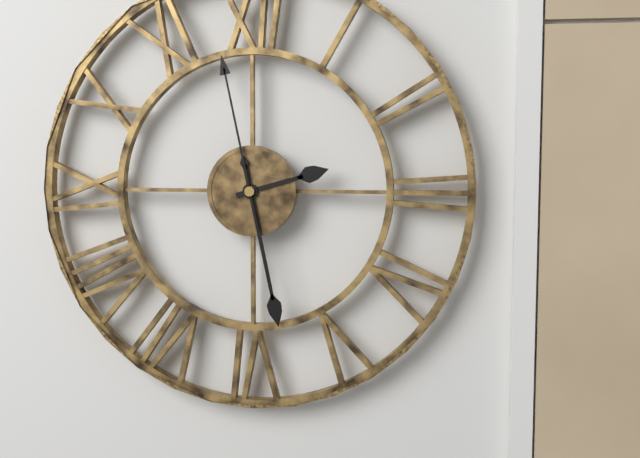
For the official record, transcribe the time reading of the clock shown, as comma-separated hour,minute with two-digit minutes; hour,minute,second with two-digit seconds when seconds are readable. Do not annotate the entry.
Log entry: 2,28,58
